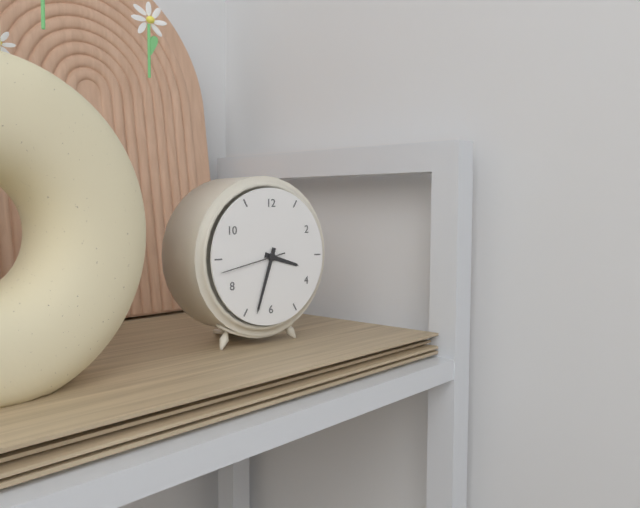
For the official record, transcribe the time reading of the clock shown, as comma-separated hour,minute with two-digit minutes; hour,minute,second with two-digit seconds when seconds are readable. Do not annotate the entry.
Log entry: 3,33,43
